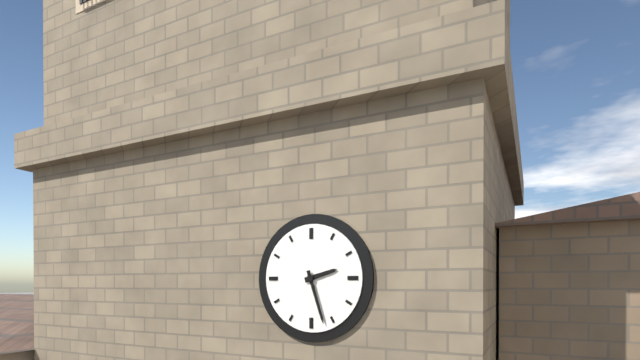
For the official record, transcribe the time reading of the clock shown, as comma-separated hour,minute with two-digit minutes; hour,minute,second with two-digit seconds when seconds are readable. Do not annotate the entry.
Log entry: 2,27
